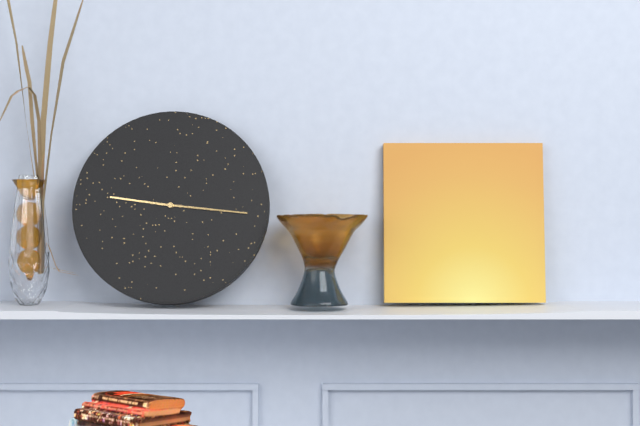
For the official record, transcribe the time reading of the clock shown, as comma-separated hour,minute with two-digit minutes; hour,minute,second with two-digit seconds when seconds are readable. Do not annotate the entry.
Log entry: 9,16
